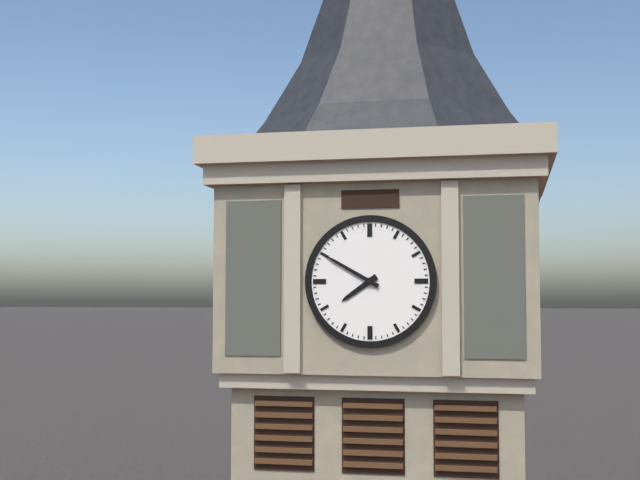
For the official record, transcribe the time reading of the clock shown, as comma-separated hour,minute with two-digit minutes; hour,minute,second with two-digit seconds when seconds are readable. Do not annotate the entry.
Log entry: 7,50
